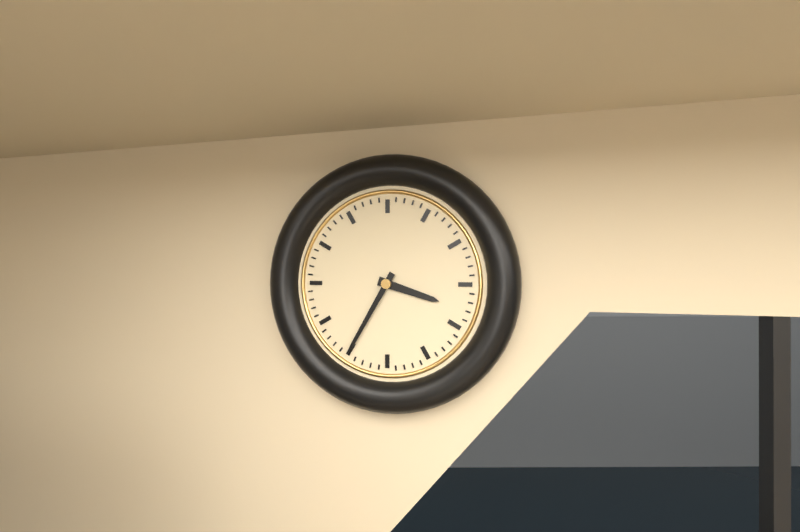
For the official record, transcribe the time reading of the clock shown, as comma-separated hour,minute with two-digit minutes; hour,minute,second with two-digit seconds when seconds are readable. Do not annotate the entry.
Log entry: 3,35
